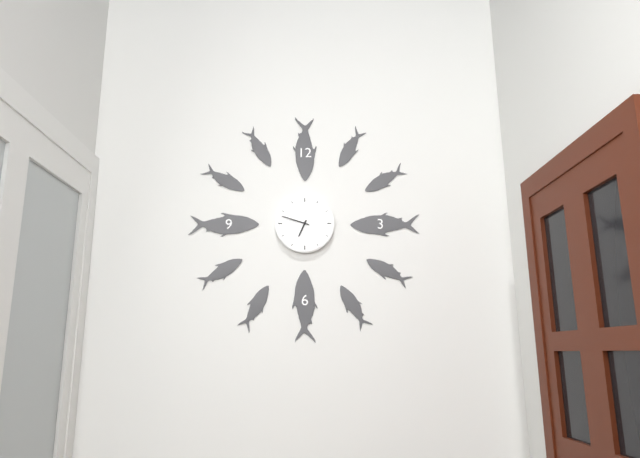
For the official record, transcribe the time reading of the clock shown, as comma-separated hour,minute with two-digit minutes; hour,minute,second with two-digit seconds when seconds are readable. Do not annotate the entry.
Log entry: 6,48
